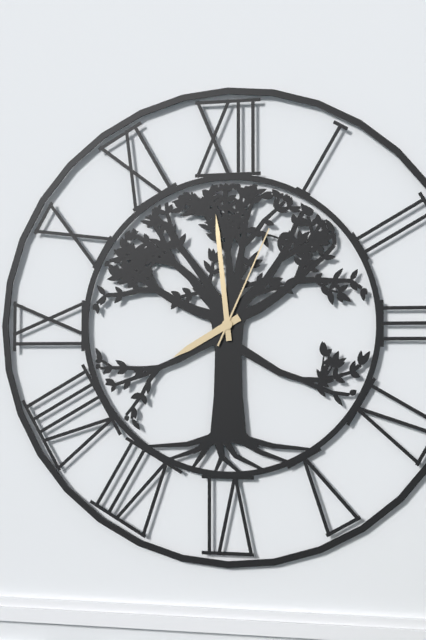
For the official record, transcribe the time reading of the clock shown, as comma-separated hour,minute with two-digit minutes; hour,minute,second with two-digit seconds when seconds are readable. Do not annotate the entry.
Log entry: 7,59,04
